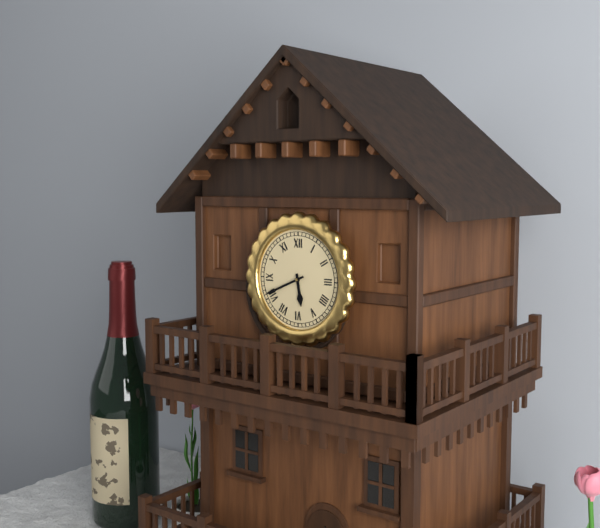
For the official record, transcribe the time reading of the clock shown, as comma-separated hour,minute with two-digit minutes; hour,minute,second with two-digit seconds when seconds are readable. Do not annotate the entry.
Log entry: 5,41
